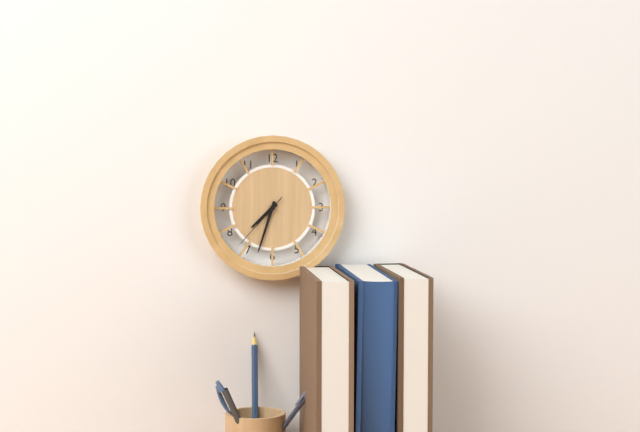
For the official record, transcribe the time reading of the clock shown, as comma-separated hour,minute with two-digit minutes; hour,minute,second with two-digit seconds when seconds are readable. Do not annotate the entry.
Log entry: 7,33,37
